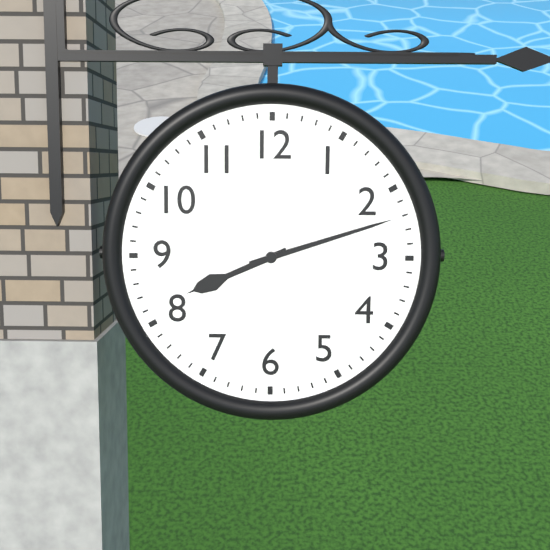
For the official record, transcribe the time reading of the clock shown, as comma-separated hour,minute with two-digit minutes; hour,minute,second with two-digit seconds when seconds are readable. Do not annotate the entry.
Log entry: 8,12
